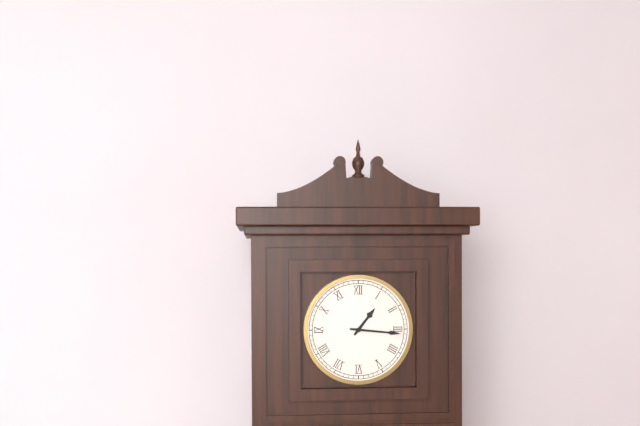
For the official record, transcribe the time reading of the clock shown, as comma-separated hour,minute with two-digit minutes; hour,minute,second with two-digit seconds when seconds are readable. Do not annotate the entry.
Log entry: 1,16
